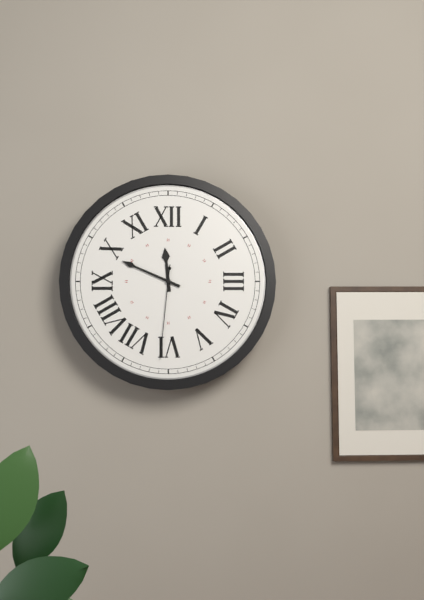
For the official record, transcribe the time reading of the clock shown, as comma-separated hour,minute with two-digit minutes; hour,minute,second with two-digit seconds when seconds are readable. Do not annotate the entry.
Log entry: 11,49,31
